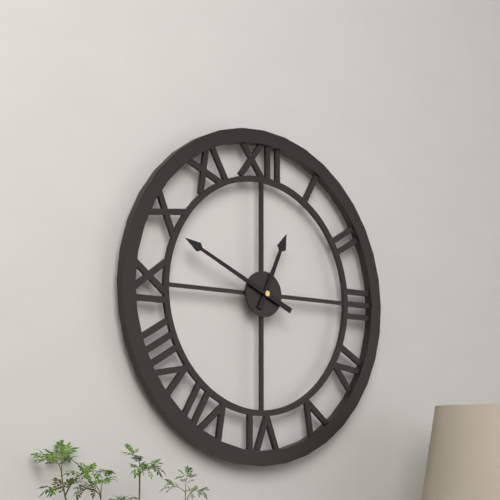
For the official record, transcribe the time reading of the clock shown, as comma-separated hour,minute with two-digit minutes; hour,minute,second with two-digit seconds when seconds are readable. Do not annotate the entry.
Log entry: 12,49
